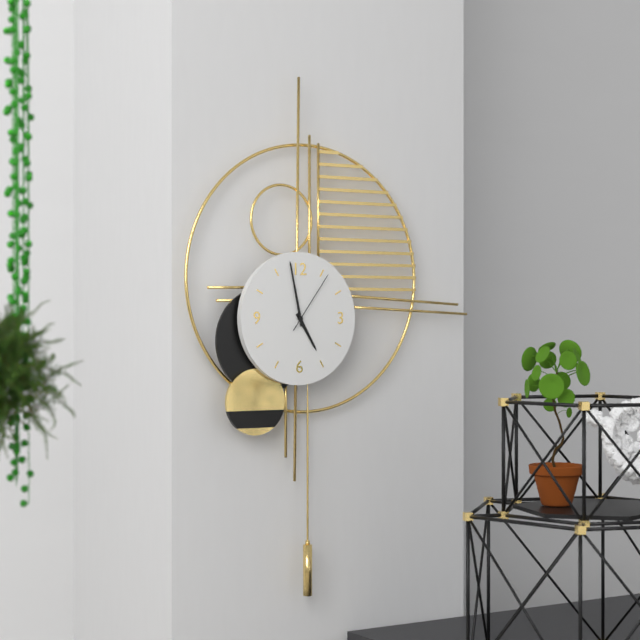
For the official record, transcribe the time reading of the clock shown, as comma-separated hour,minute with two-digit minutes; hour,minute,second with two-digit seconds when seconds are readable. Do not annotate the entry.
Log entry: 4,58,06
